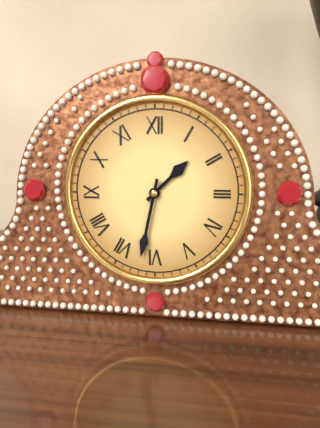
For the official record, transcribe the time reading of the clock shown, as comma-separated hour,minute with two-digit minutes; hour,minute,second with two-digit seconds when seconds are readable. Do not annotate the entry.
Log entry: 1,32
